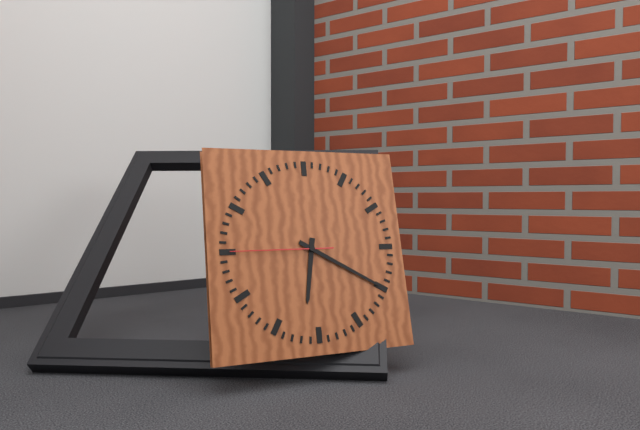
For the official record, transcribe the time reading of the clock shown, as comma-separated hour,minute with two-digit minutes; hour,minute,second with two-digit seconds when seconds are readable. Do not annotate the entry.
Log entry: 6,20,45
